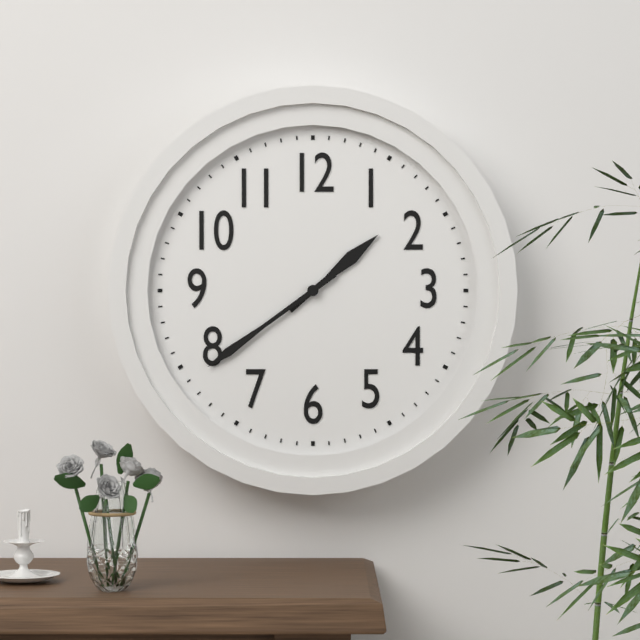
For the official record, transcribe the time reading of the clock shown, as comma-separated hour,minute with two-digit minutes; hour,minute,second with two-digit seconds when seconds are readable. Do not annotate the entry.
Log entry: 1,39
